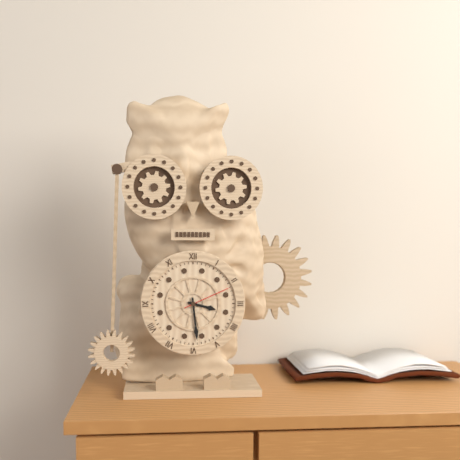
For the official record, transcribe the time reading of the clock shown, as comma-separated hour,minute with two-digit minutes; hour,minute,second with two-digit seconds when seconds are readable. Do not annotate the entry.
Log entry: 3,29,11
